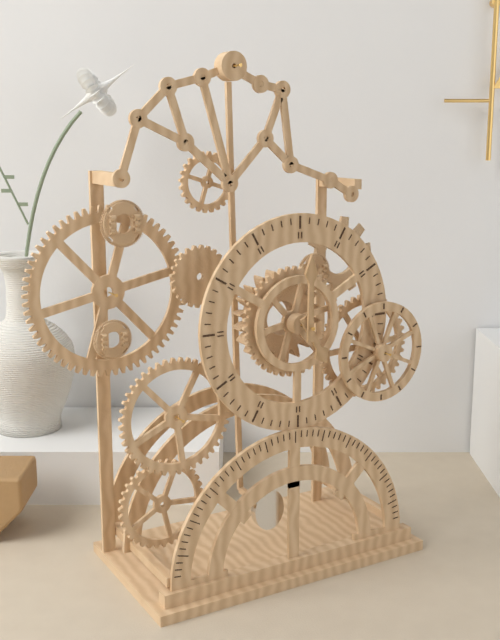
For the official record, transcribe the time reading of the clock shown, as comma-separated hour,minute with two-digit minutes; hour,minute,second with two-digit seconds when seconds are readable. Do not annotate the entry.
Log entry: 5,00
